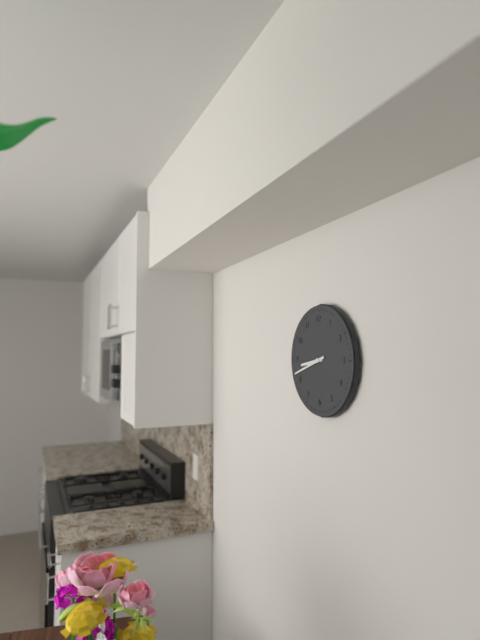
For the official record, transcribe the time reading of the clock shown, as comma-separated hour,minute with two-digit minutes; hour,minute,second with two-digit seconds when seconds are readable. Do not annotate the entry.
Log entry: 8,42
